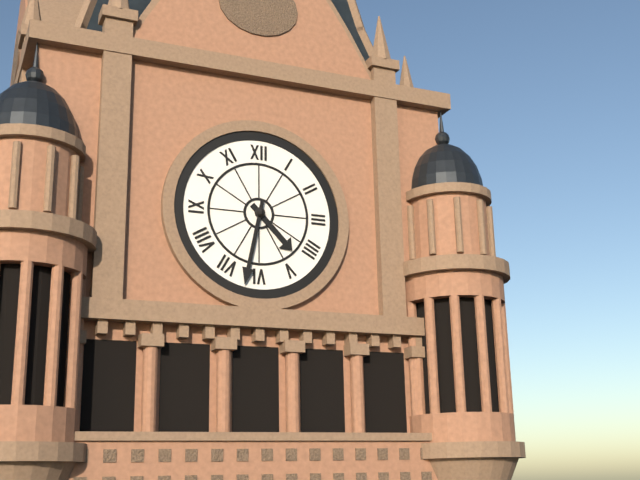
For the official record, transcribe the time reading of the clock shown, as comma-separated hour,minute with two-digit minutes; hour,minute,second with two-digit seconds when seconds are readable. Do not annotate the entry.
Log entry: 4,32
